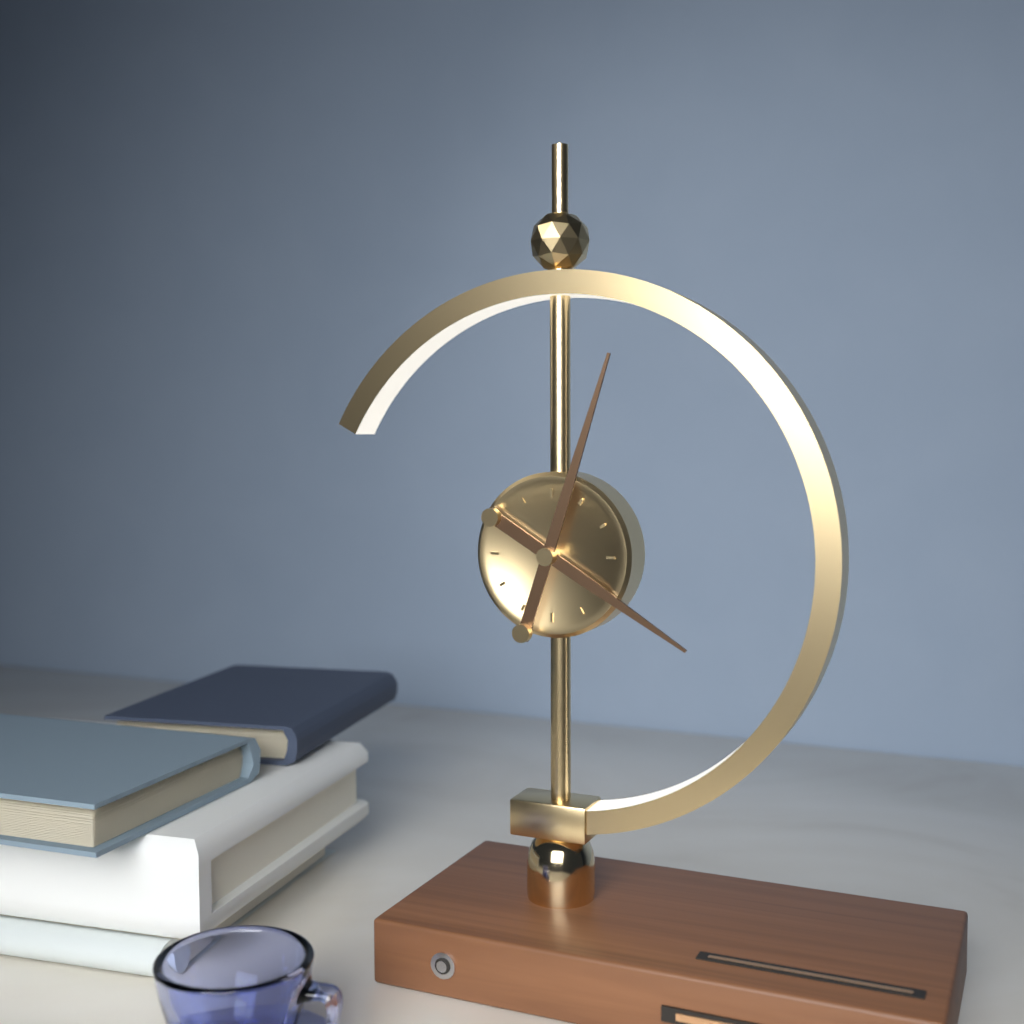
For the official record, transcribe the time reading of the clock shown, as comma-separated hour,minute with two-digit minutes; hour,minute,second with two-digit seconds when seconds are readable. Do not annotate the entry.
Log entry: 4,03
